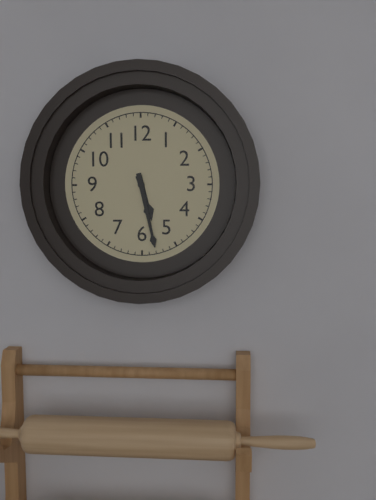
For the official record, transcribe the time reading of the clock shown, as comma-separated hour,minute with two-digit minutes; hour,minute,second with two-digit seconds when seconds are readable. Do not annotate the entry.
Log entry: 5,28
